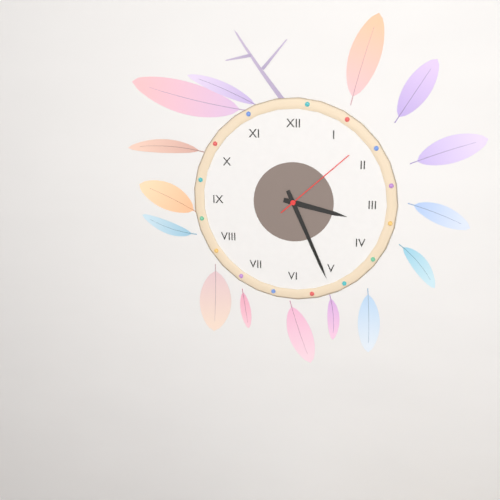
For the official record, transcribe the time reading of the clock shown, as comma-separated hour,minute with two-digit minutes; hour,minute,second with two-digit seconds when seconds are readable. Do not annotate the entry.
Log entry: 3,26,08
